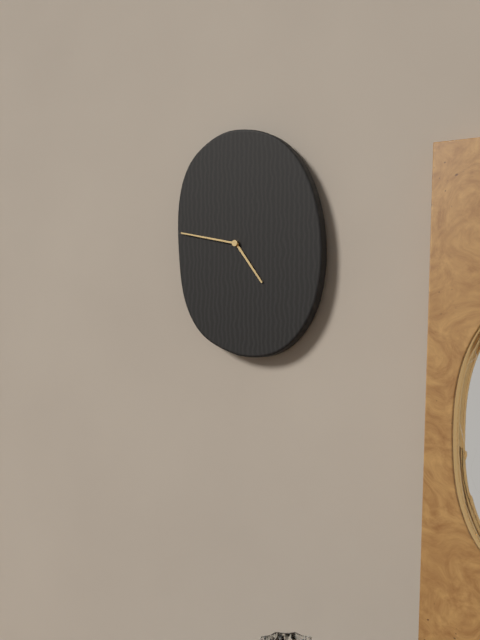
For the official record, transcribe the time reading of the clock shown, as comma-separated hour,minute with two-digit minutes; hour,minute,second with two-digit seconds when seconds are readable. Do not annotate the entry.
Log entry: 4,47
